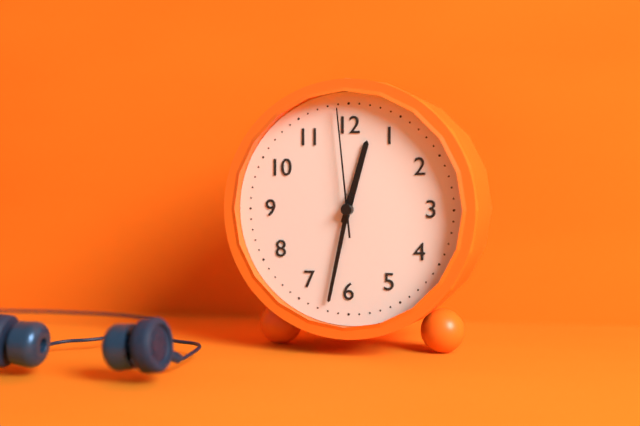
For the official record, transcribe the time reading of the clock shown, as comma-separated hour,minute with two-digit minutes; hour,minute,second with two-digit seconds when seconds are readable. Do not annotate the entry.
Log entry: 12,32,59
